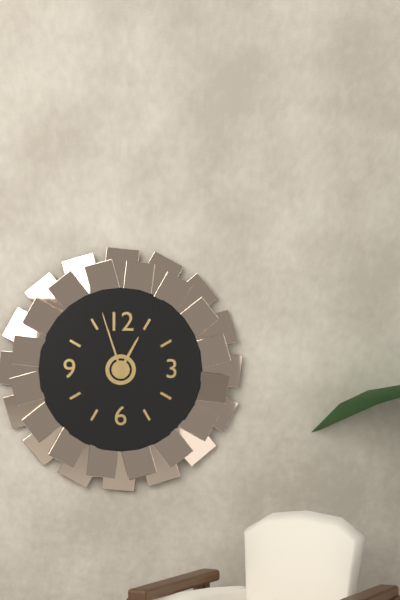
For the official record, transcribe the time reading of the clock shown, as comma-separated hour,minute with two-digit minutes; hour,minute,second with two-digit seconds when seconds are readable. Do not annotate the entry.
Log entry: 12,57
